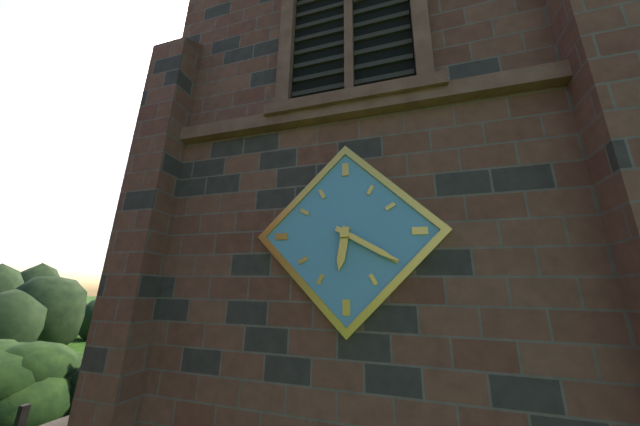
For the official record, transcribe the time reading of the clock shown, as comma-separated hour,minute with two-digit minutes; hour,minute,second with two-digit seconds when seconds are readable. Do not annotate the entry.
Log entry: 6,20
